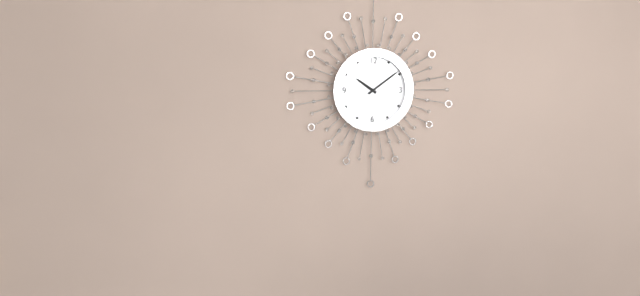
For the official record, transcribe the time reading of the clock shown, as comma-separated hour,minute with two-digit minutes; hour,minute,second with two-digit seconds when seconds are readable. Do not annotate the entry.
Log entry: 10,09
